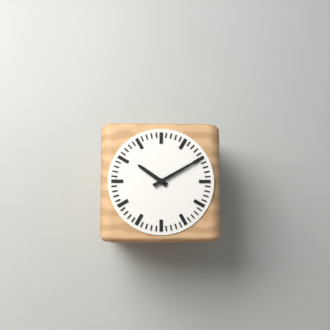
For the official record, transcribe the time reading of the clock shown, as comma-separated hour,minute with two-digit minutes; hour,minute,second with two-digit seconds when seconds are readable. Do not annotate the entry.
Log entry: 10,10
